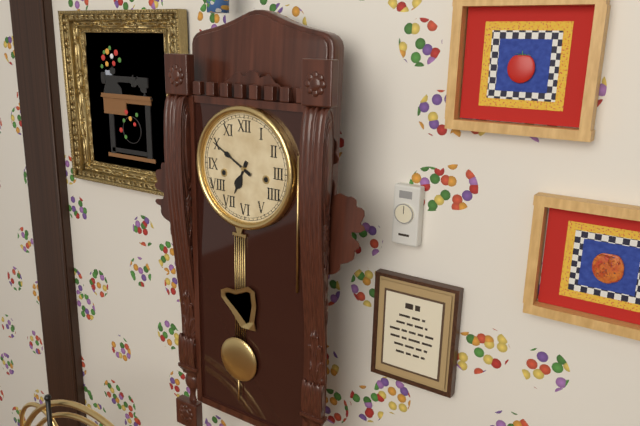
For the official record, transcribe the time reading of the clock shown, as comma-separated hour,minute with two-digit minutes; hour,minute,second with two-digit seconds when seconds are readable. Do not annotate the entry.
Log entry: 6,50
